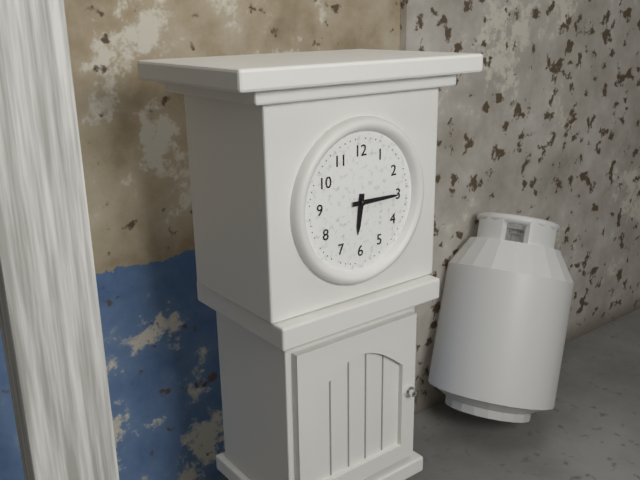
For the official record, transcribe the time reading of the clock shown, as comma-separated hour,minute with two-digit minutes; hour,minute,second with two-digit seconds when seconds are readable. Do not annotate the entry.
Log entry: 6,15
